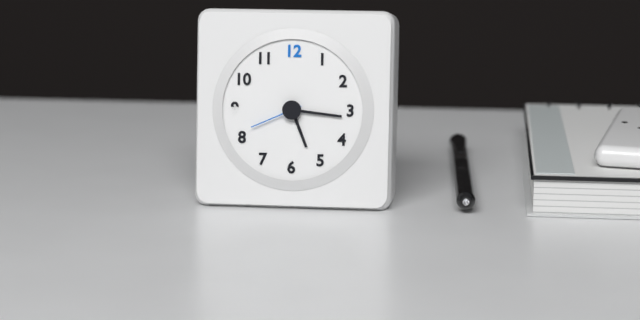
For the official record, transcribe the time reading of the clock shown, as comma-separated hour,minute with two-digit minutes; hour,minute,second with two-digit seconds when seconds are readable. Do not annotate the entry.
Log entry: 5,16,41
